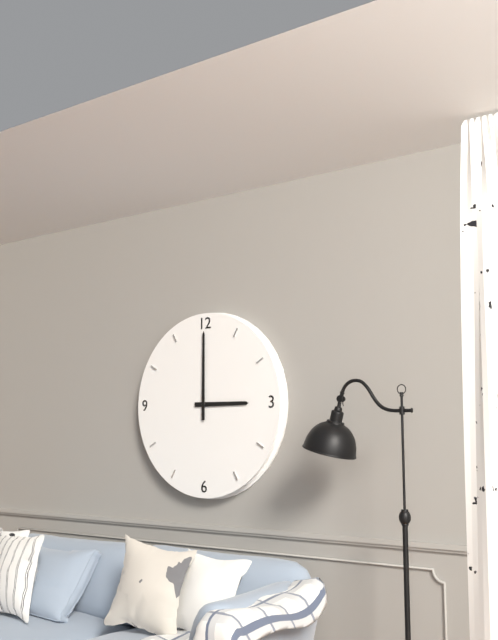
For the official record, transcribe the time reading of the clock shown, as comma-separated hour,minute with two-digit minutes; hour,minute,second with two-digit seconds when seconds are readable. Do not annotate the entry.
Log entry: 3,00
